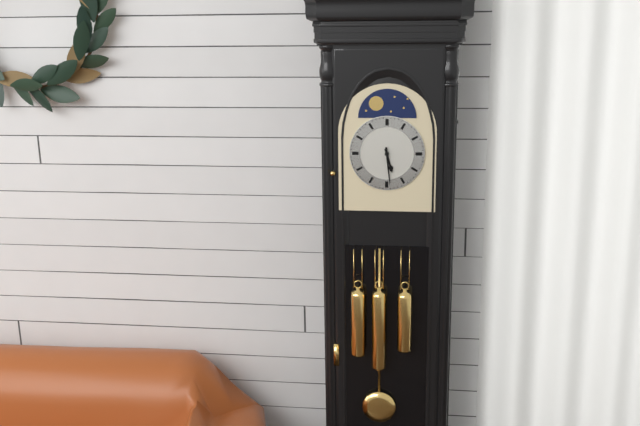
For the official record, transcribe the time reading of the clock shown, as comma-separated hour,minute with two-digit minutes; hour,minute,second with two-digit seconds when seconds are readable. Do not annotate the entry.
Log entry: 5,29
